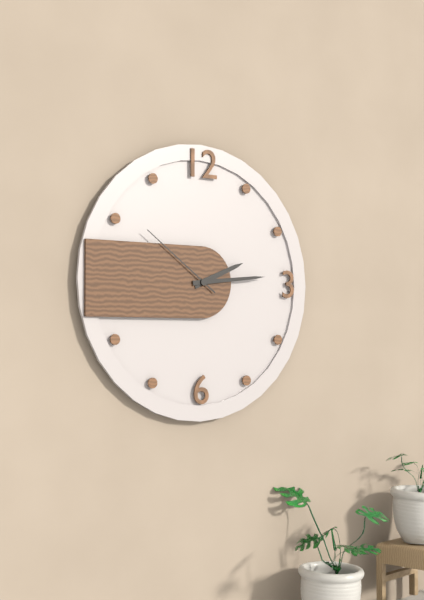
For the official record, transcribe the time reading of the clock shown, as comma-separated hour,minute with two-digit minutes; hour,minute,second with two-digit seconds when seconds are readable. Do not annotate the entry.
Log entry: 2,14,51
